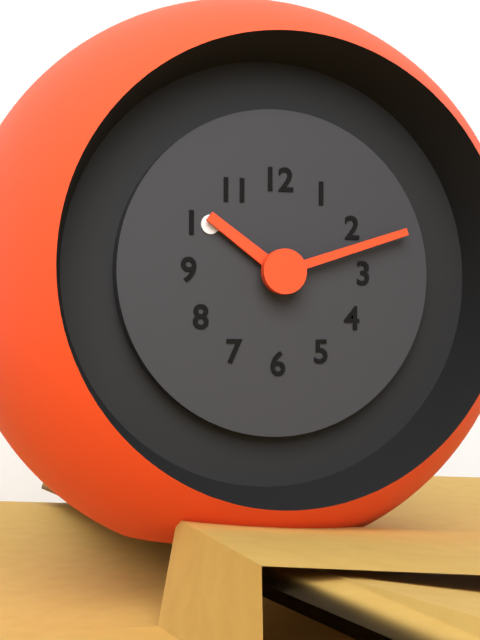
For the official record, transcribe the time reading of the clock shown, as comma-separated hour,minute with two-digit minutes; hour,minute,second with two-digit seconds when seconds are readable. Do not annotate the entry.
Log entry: 10,12
